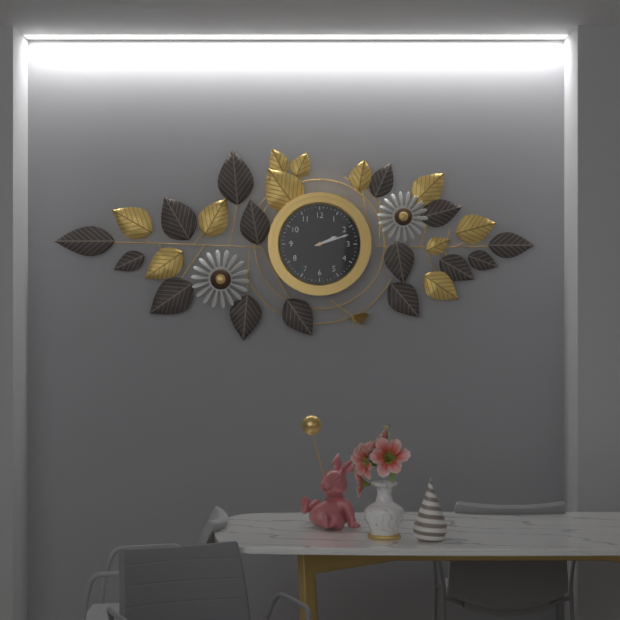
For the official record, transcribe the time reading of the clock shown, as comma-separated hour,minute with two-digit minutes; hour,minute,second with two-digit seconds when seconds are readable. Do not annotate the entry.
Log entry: 2,12
